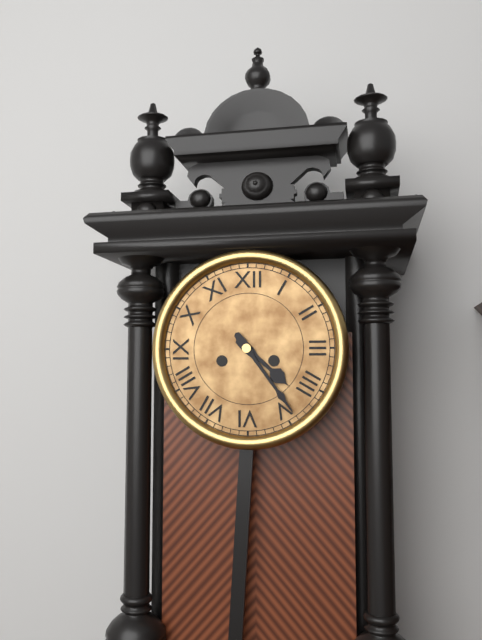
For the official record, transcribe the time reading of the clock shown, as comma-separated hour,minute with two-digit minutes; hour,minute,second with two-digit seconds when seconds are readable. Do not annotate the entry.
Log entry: 4,24
